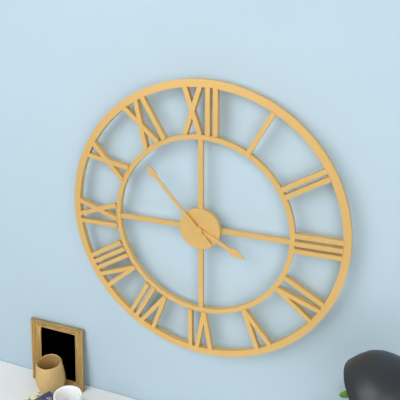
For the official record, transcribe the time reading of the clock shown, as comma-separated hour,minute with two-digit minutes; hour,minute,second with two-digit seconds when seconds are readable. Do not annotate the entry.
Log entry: 3,53
